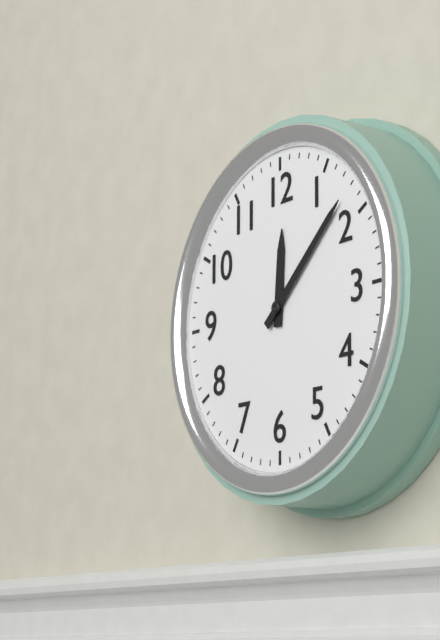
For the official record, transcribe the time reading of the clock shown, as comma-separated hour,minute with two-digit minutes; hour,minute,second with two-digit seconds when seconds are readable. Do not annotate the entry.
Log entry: 12,08
